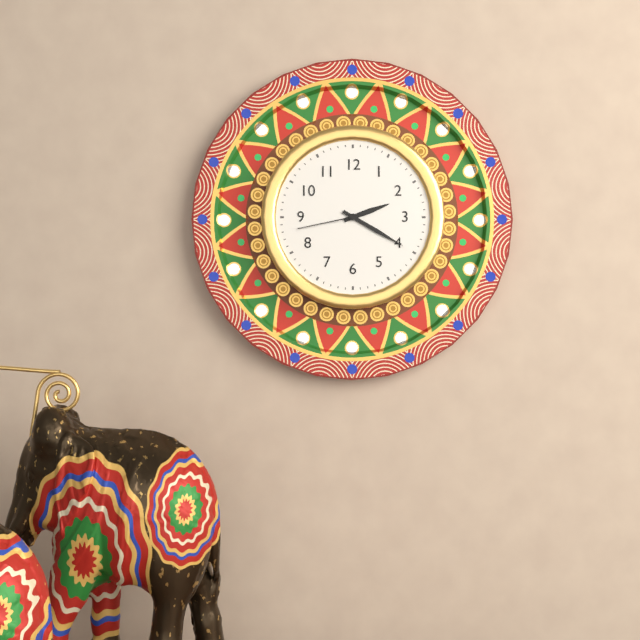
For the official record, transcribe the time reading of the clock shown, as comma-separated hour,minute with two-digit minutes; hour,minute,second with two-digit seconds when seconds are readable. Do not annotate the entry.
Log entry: 2,20,43
